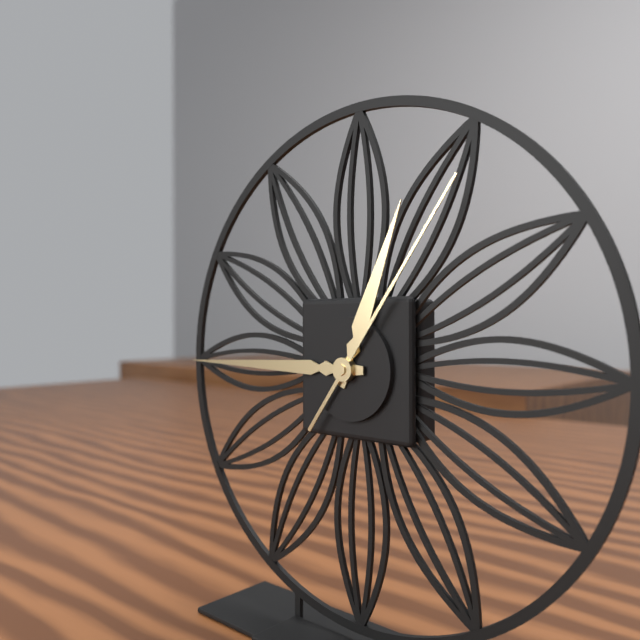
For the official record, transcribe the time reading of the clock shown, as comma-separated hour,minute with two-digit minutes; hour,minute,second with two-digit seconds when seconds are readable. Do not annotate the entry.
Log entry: 12,45,06
